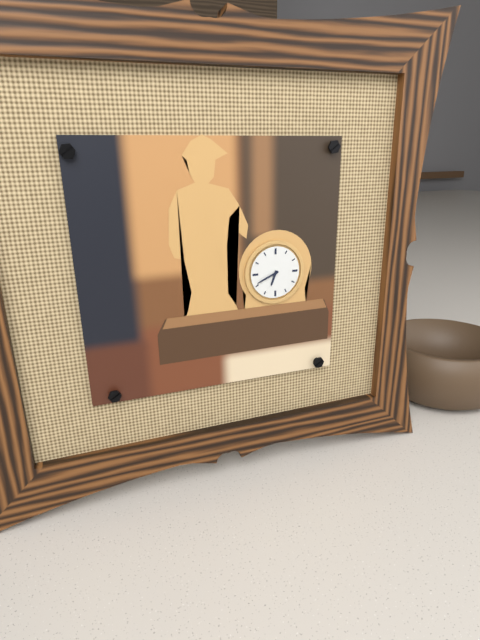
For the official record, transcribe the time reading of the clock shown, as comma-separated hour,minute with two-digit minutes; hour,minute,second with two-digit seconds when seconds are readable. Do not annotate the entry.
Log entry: 6,41
